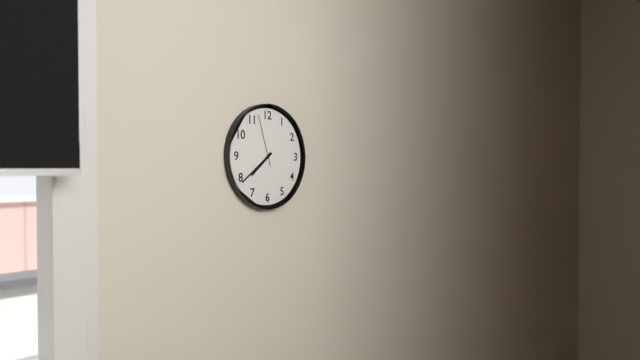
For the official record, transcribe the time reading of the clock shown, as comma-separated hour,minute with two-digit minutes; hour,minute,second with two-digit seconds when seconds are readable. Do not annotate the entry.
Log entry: 7,39,57
